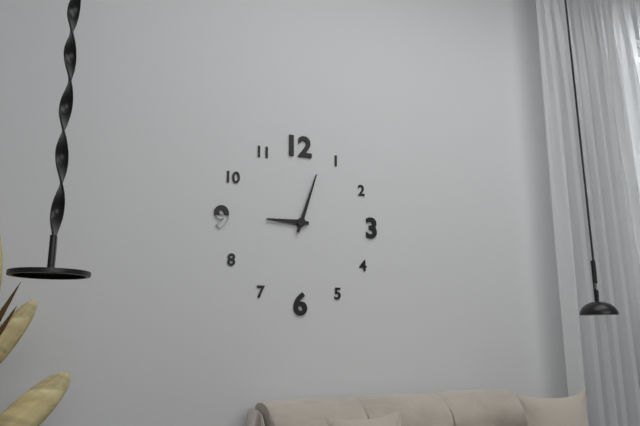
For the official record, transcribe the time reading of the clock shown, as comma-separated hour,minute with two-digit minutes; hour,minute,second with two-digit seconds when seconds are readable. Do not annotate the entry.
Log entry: 9,03
